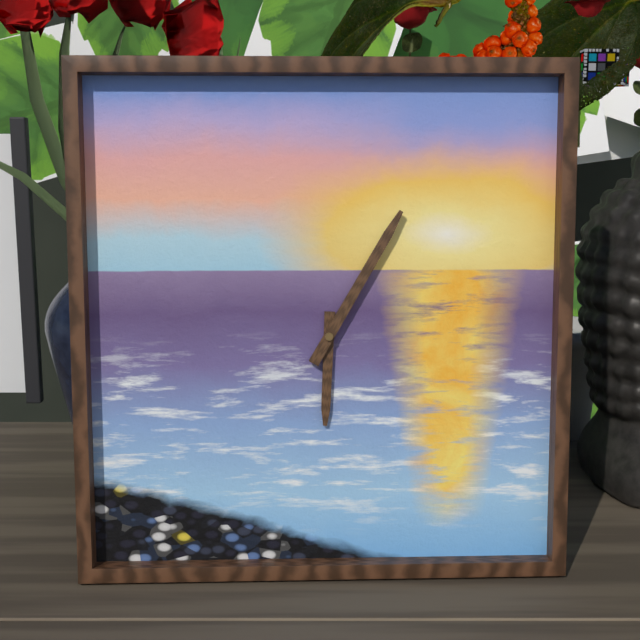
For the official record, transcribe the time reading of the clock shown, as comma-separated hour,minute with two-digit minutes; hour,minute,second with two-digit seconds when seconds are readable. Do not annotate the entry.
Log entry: 6,05
